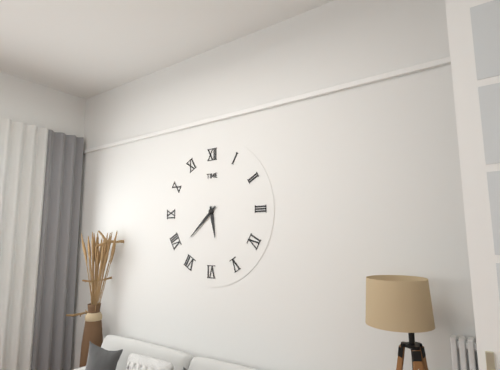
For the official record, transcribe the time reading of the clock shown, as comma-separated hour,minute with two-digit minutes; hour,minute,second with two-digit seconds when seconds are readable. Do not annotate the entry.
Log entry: 5,38
